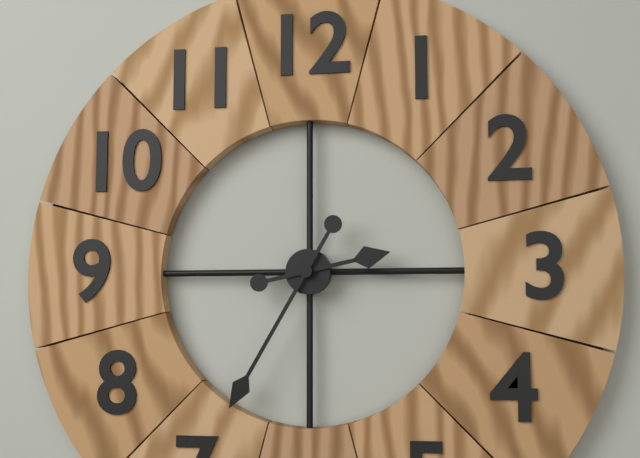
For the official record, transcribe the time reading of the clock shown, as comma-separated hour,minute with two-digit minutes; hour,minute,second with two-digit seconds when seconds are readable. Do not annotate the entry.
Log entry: 2,35
